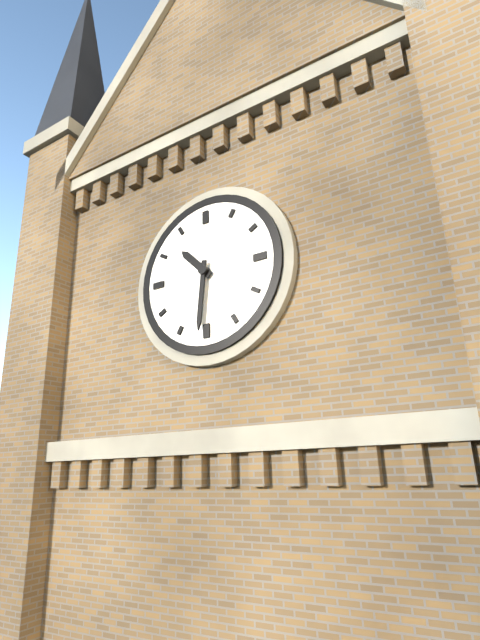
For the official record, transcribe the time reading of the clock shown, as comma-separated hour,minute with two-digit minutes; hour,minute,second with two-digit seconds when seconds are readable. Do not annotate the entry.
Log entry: 10,31
